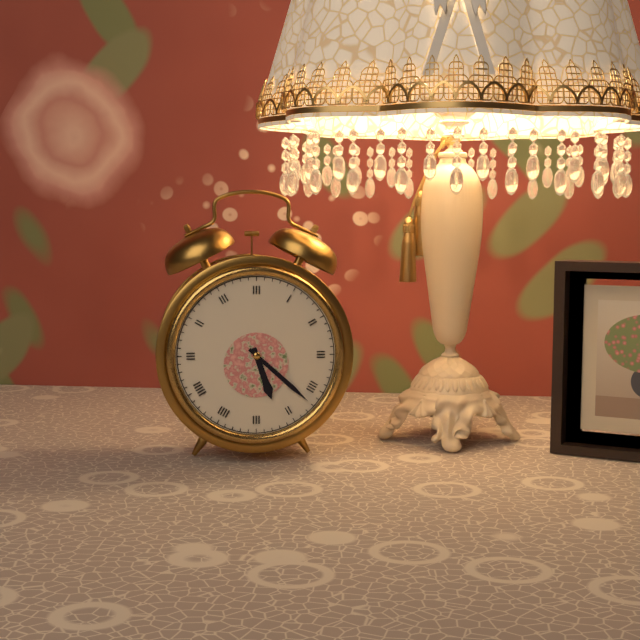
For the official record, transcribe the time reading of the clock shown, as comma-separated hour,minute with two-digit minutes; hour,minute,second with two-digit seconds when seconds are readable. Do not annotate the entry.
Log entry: 5,22
